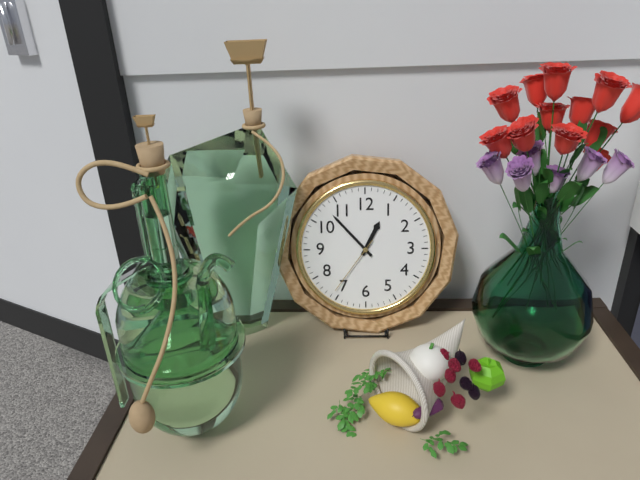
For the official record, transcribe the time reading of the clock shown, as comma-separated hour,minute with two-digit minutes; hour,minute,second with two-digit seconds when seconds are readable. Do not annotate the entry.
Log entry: 12,53,36
